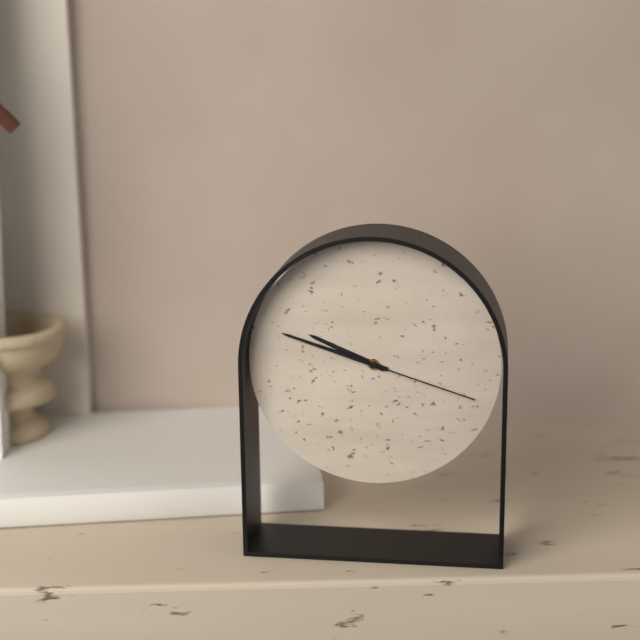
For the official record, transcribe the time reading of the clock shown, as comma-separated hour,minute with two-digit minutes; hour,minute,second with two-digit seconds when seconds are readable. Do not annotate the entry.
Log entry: 9,48,18
